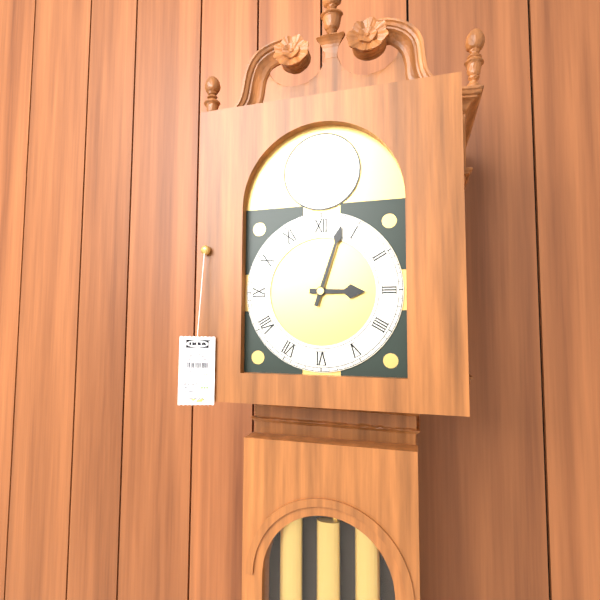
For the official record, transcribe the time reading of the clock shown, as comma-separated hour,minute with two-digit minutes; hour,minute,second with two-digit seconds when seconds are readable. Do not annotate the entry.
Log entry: 3,03
